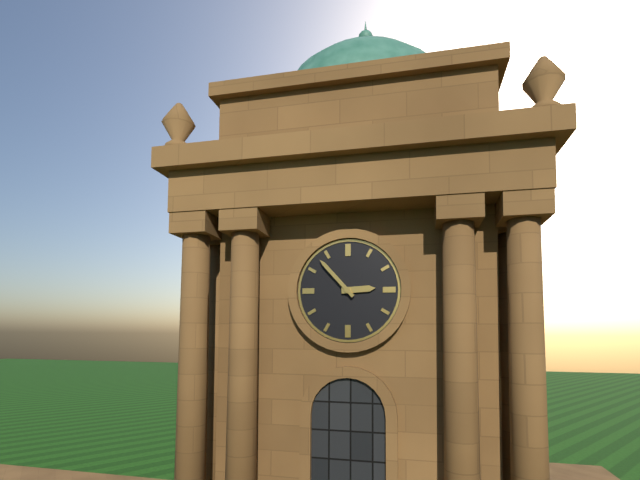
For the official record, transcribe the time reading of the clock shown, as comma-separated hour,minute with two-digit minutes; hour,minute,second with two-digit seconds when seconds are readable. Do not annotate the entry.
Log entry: 2,53
